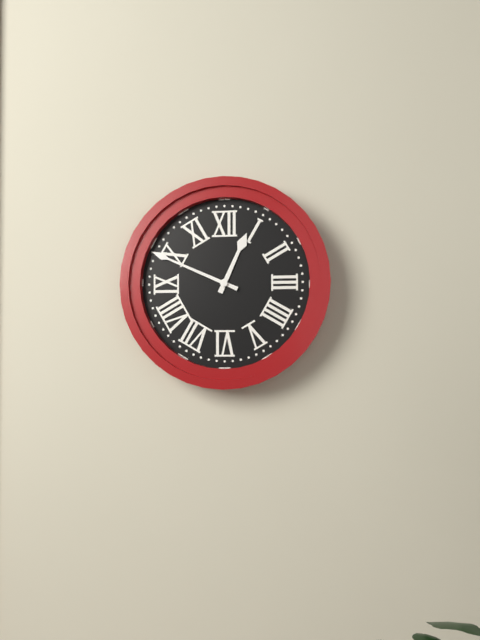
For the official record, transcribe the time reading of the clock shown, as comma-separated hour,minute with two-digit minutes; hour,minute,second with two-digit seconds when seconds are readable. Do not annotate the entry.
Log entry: 12,49
